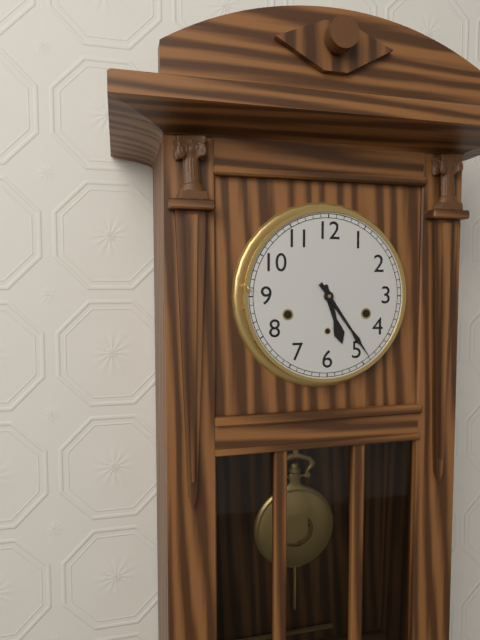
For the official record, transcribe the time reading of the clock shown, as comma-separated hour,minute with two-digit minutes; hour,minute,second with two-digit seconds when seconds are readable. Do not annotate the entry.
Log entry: 5,24
